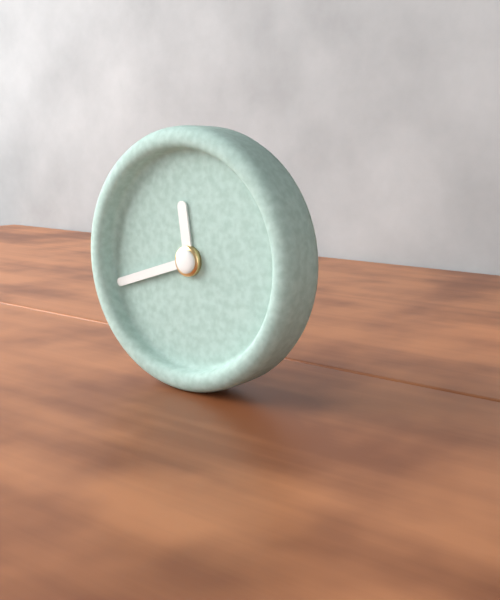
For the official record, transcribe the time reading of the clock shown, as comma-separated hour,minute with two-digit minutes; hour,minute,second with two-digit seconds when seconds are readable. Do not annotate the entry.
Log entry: 11,42
